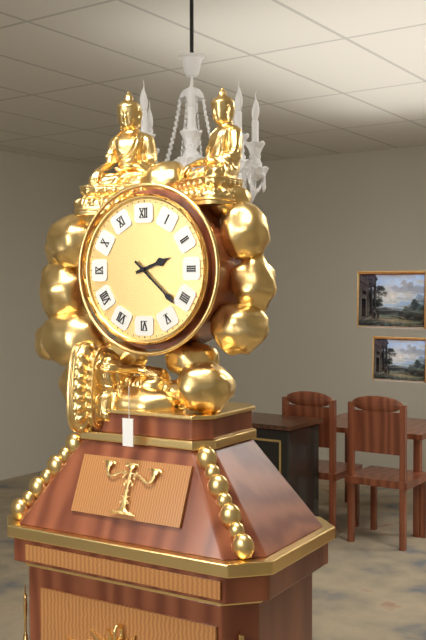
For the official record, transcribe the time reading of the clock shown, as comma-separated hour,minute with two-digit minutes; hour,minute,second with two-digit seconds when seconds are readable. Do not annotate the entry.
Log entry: 2,22
